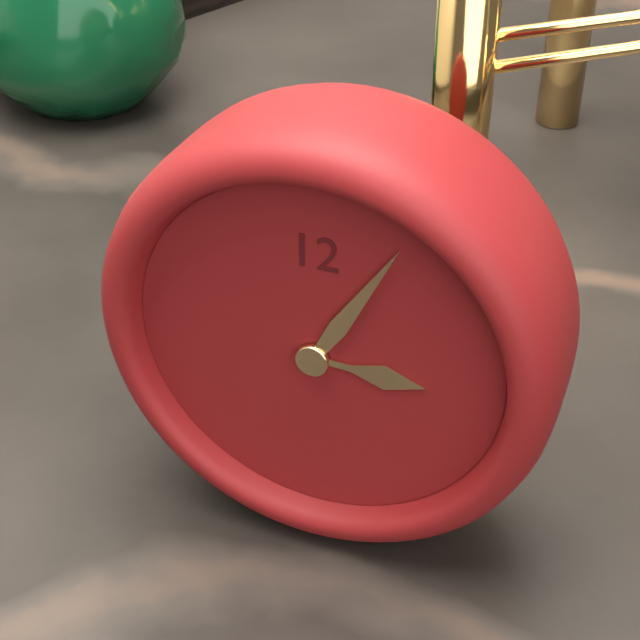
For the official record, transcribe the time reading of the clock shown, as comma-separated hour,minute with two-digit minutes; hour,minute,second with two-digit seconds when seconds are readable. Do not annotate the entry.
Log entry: 3,05
